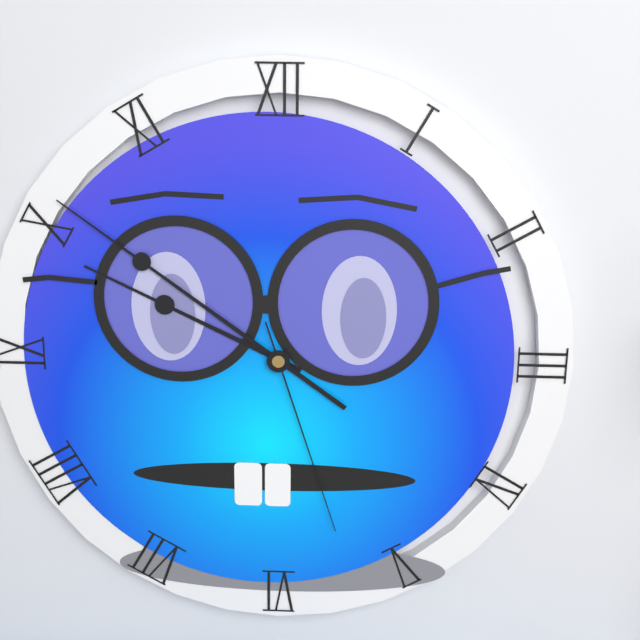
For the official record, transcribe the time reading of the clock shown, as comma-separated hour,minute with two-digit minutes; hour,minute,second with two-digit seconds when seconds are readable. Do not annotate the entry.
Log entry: 9,51,27
